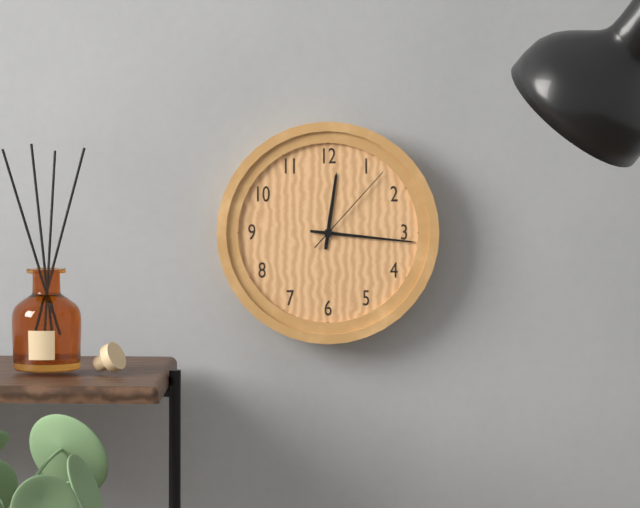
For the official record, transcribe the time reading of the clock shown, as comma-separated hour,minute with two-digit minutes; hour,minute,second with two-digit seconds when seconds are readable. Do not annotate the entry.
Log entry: 12,16,07
